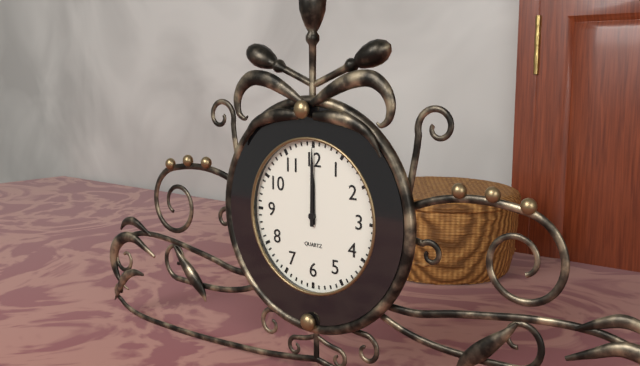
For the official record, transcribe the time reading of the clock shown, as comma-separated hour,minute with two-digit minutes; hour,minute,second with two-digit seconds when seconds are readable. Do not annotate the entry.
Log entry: 12,00
